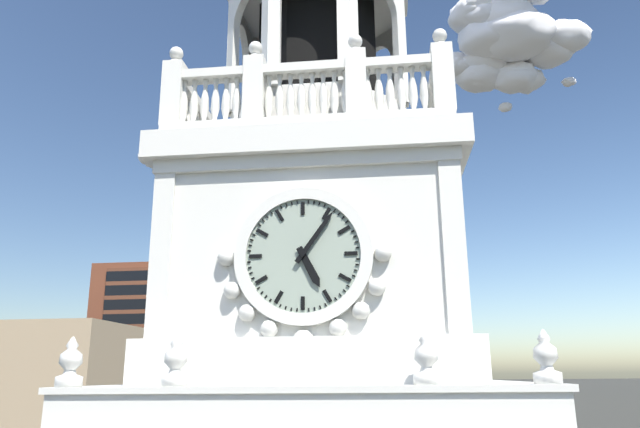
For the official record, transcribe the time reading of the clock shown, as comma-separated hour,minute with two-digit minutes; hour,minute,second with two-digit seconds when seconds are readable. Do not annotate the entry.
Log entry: 5,06
